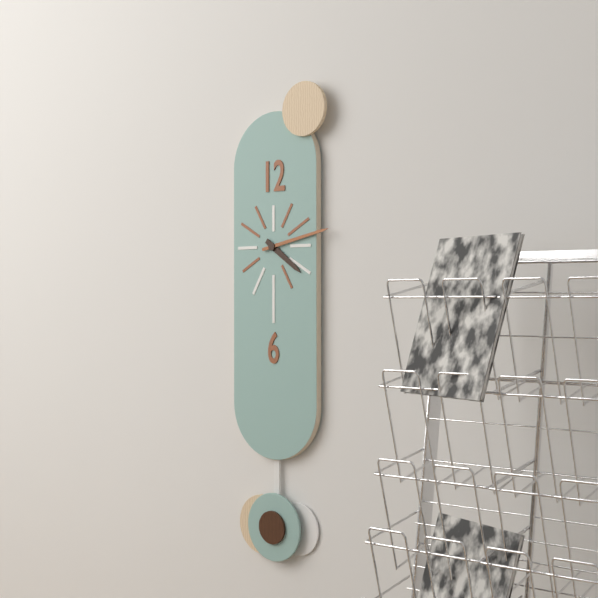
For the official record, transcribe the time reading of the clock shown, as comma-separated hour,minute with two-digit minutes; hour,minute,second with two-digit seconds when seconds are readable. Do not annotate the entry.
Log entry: 4,13
